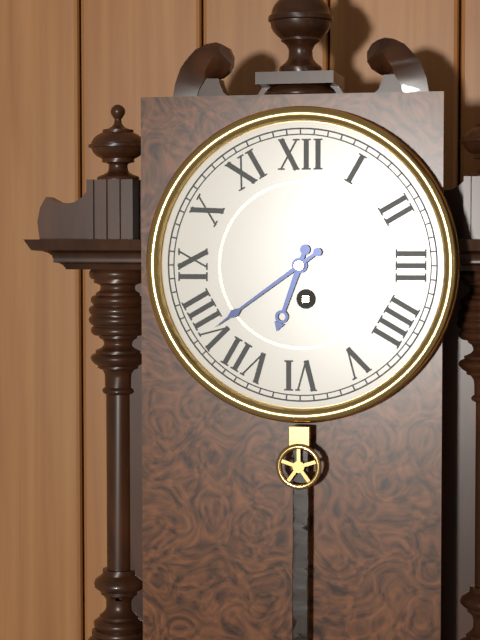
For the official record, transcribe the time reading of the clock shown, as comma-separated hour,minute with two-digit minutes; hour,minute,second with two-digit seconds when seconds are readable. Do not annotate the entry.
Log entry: 6,39
